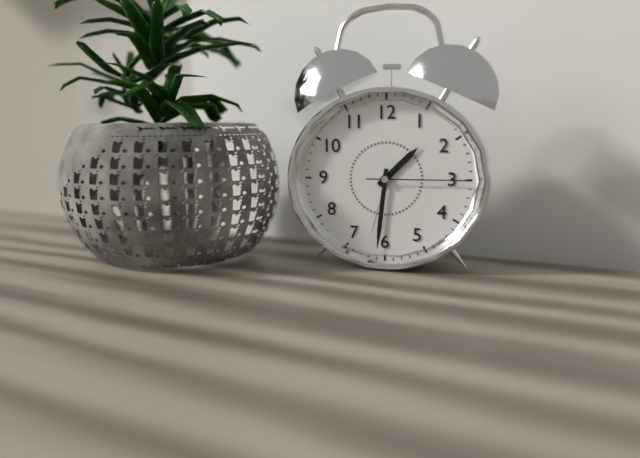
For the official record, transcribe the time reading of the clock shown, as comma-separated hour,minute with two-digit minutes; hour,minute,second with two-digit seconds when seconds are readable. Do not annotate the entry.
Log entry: 1,31,15
